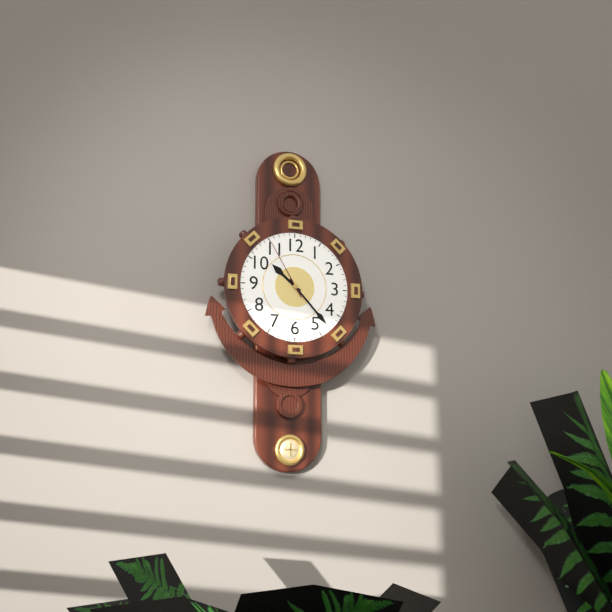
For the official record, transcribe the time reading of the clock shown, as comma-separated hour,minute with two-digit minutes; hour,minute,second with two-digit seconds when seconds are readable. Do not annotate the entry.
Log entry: 10,23,55
